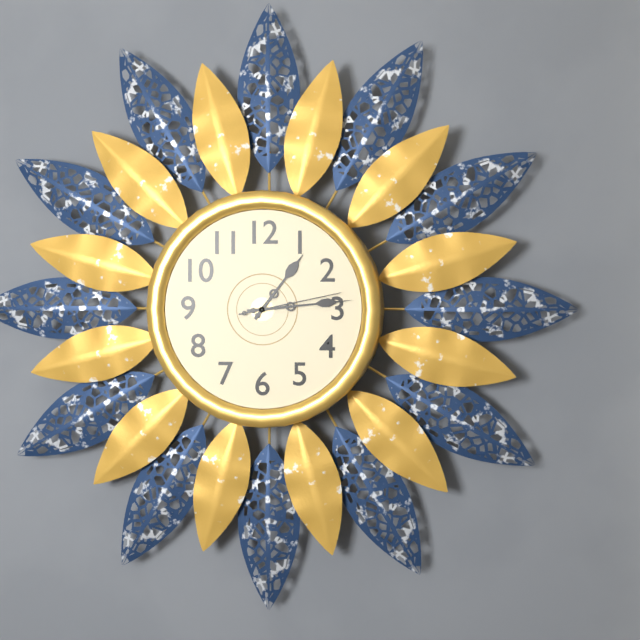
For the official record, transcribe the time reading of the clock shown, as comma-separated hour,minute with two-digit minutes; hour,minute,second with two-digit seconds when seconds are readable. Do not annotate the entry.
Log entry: 1,14,13
